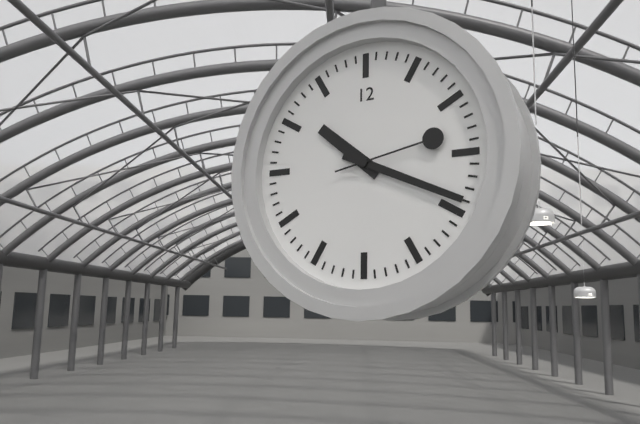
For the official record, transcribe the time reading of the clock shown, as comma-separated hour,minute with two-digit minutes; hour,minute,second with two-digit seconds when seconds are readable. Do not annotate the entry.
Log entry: 10,19,13
